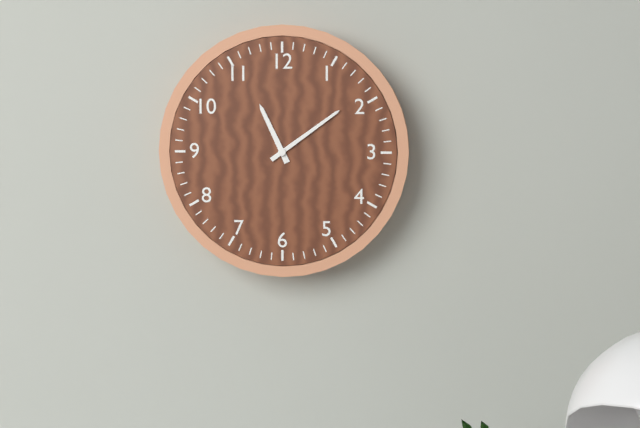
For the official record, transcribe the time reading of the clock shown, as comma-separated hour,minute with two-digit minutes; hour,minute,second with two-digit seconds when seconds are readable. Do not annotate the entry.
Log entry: 11,09
